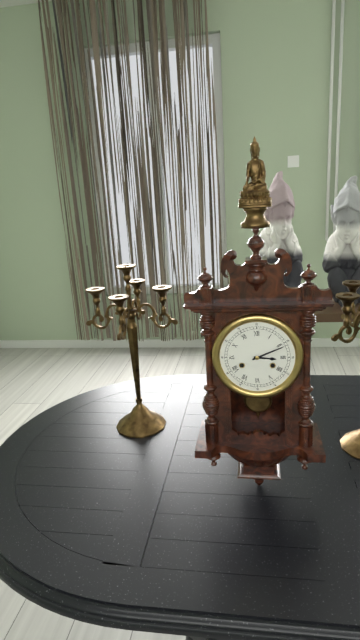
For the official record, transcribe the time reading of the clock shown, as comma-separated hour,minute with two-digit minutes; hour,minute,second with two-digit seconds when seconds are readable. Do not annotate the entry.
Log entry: 3,11
